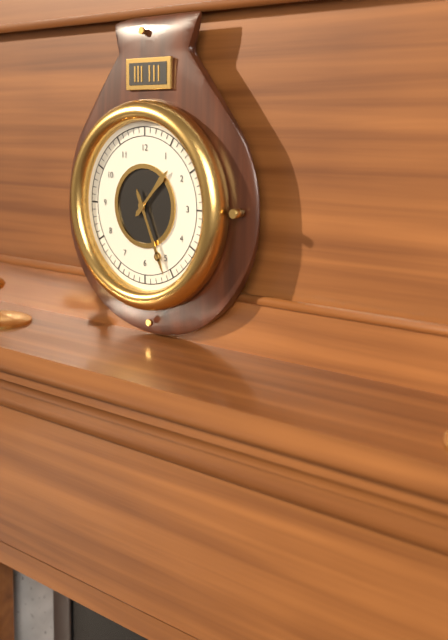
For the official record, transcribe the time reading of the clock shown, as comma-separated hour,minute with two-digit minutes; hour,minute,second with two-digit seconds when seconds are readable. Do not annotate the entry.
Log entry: 1,26
